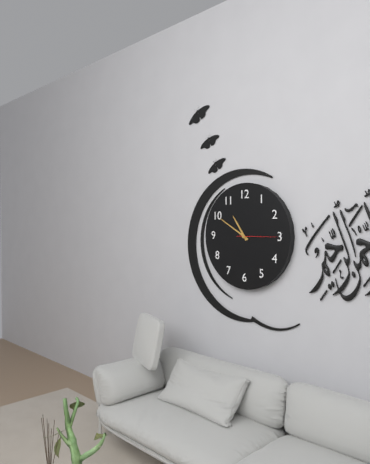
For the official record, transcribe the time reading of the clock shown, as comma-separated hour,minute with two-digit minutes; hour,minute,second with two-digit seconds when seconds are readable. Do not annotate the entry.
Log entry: 10,50
